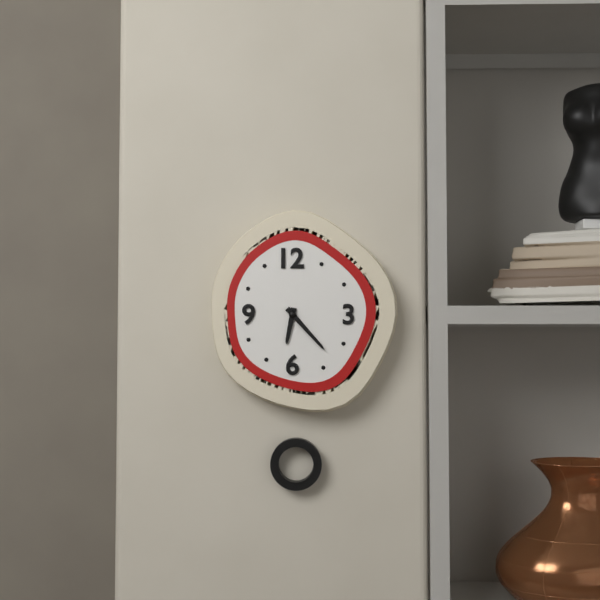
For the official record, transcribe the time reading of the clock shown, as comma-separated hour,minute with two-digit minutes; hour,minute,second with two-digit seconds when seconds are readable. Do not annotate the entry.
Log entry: 6,23
